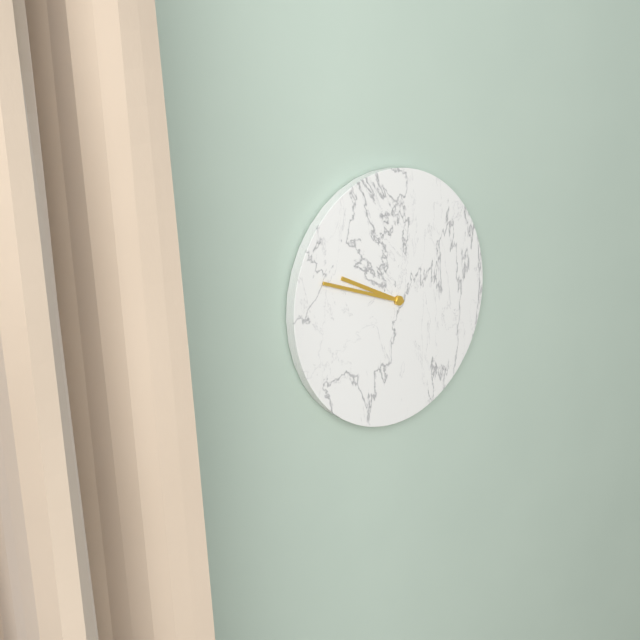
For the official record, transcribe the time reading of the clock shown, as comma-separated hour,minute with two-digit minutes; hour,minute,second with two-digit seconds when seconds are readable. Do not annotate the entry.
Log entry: 9,48
